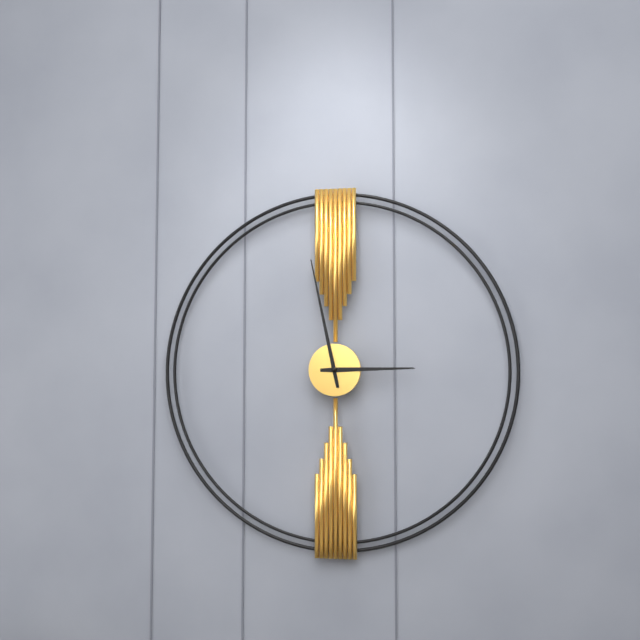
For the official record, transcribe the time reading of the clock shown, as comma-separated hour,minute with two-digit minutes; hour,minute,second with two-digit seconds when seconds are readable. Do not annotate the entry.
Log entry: 2,58
